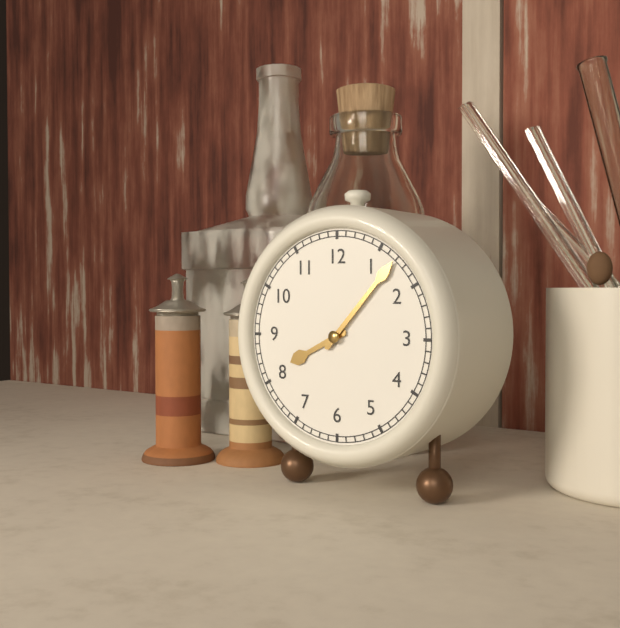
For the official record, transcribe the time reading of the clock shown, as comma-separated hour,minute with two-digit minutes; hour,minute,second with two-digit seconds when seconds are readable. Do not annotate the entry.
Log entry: 8,07
